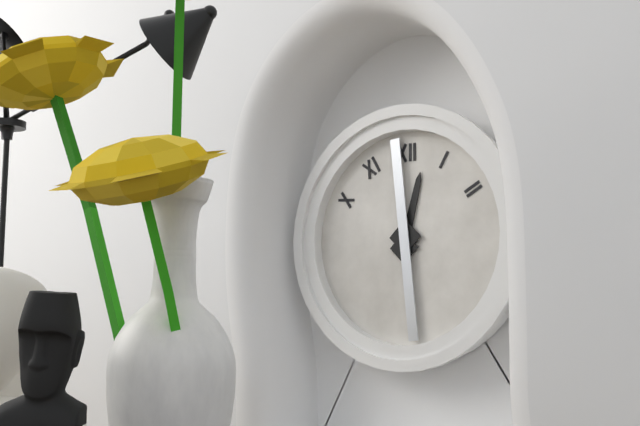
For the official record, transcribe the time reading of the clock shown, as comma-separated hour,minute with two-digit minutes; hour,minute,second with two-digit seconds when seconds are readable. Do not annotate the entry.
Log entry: 12,29
